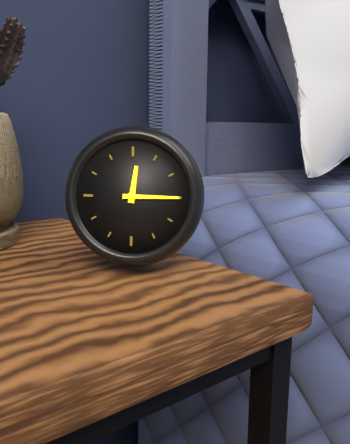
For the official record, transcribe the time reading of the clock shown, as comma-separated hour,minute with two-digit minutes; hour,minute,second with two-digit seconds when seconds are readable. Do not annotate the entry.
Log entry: 12,15
